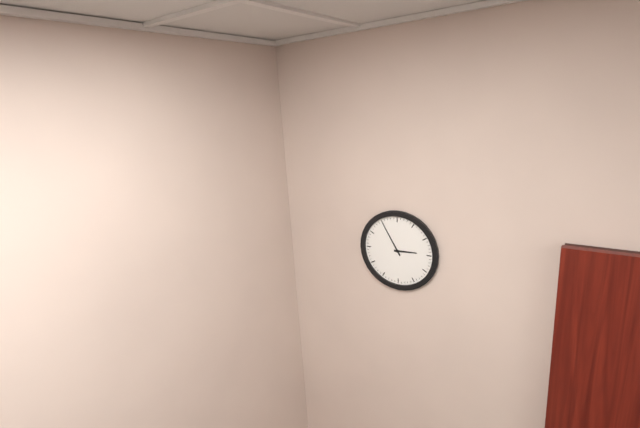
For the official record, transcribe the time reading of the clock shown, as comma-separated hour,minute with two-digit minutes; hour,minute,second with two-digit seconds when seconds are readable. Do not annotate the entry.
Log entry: 2,55
